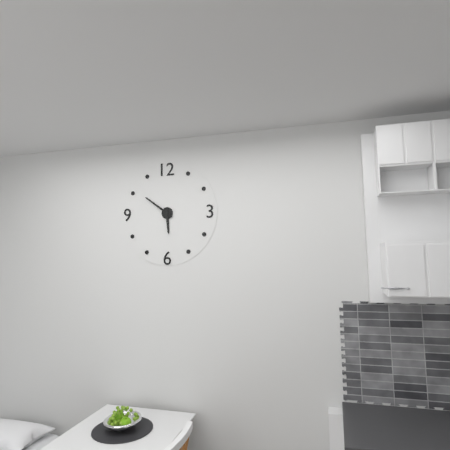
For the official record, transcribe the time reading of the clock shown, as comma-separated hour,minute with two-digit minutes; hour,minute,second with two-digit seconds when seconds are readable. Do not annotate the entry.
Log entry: 5,51
